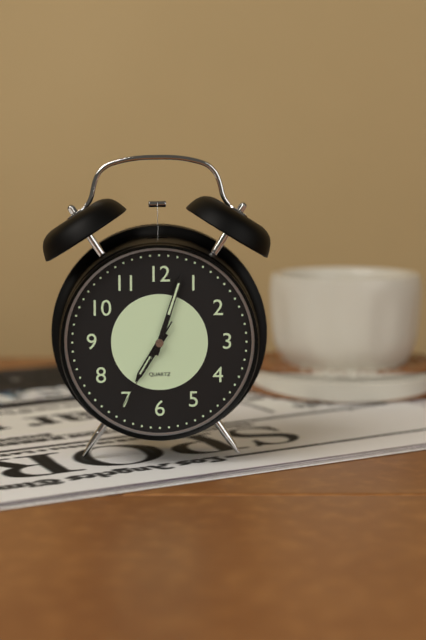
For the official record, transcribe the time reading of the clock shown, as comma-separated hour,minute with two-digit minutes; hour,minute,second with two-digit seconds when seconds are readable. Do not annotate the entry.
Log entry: 7,03,35
